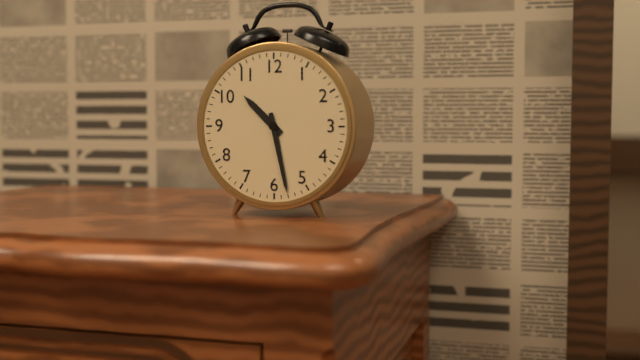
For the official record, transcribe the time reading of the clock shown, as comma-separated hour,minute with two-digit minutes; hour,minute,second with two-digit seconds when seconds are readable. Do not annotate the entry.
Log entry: 10,28
